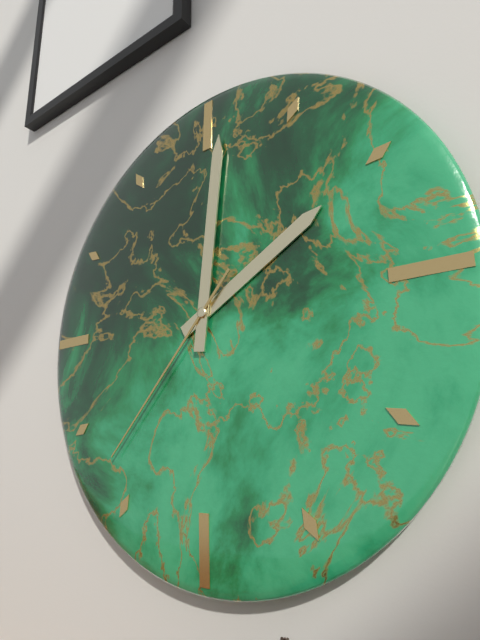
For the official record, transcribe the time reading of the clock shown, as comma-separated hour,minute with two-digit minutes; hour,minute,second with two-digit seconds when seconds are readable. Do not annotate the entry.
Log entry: 2,01,37
